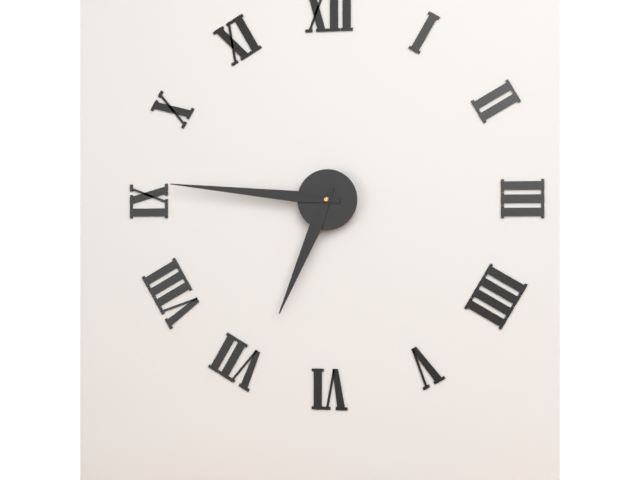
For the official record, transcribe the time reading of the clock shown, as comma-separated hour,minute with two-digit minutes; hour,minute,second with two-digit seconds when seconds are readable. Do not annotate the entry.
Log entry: 6,46
